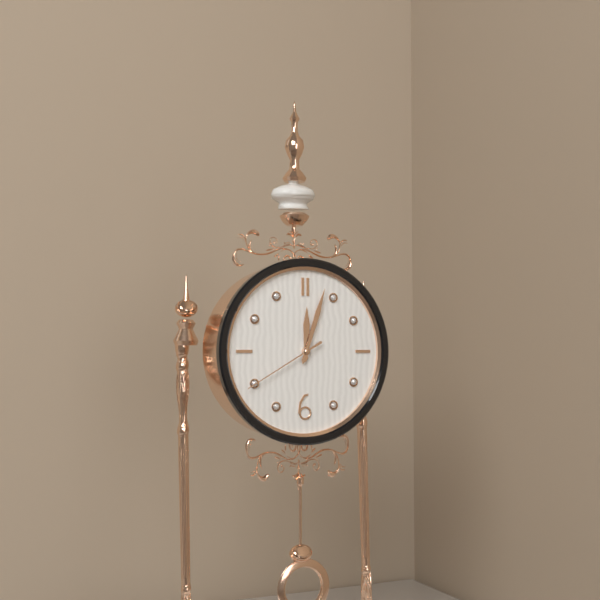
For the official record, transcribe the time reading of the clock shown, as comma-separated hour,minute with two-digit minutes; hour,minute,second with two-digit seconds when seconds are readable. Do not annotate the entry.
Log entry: 12,03,40
